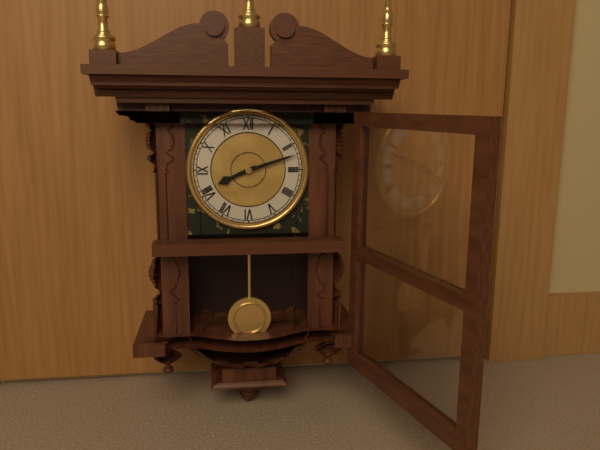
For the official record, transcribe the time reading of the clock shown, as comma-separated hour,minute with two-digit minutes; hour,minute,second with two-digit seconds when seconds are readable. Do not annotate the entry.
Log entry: 8,12
